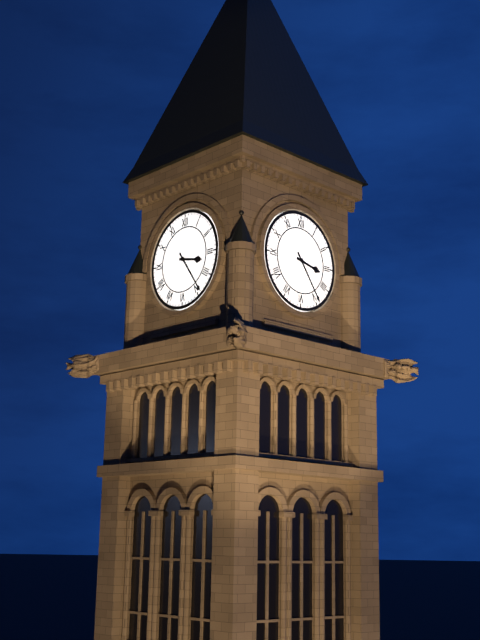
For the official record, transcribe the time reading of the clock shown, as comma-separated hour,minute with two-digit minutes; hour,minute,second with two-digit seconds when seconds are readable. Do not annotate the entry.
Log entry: 3,24
